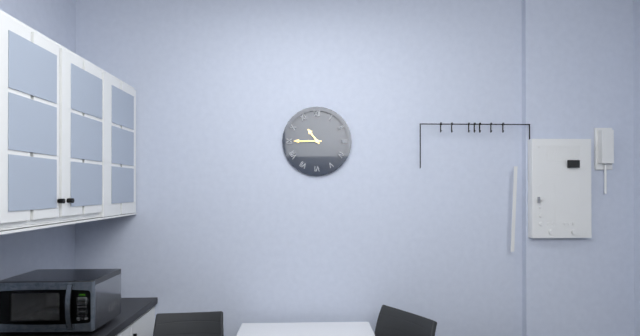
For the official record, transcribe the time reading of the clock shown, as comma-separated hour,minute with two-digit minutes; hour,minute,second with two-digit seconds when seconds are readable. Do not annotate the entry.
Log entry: 10,45
